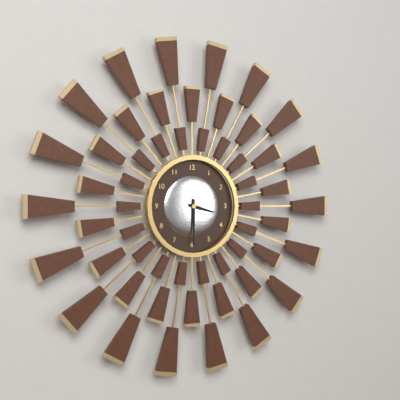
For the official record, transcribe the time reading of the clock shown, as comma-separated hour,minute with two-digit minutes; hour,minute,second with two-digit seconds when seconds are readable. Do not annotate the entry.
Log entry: 3,30
